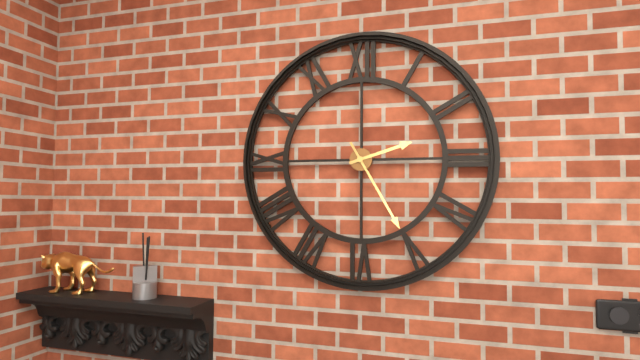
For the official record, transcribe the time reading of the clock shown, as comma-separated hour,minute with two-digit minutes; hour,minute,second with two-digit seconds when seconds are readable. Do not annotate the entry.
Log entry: 2,25
